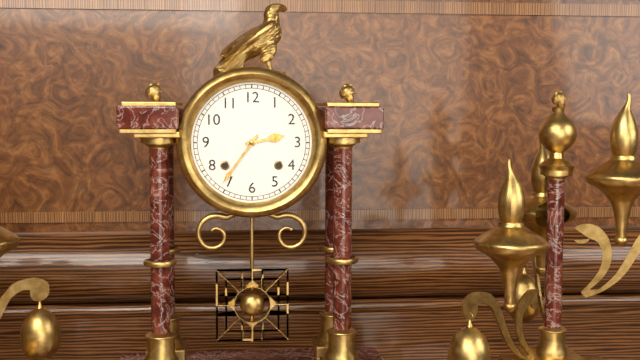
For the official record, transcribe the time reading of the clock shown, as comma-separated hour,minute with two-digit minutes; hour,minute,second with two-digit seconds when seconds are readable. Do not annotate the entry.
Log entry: 2,36
